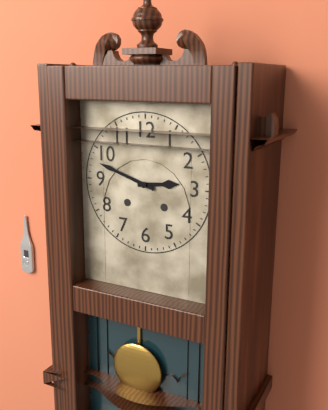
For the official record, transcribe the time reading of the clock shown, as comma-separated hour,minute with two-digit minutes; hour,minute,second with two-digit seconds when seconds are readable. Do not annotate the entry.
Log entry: 2,48
